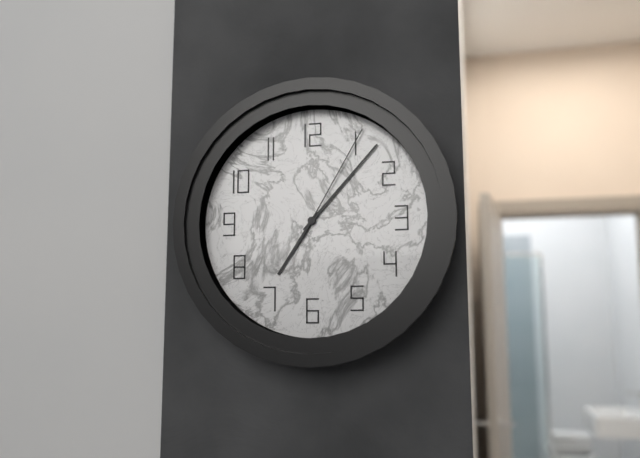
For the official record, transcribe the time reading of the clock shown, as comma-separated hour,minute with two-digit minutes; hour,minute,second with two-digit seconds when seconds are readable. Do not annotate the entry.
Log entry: 7,07,05
